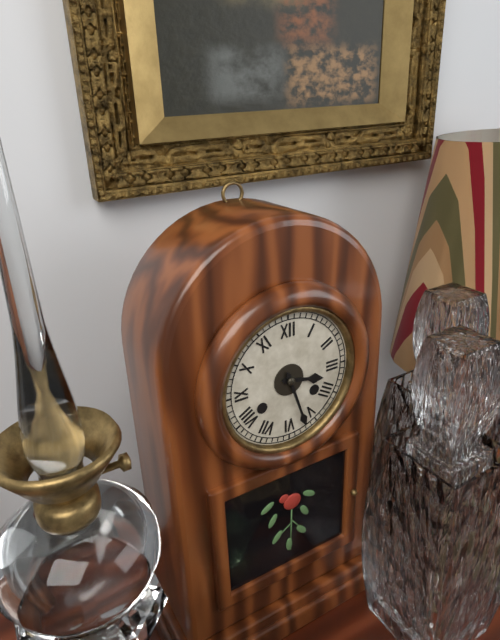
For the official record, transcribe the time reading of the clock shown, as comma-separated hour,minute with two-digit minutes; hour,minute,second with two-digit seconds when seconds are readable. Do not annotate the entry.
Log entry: 3,27
